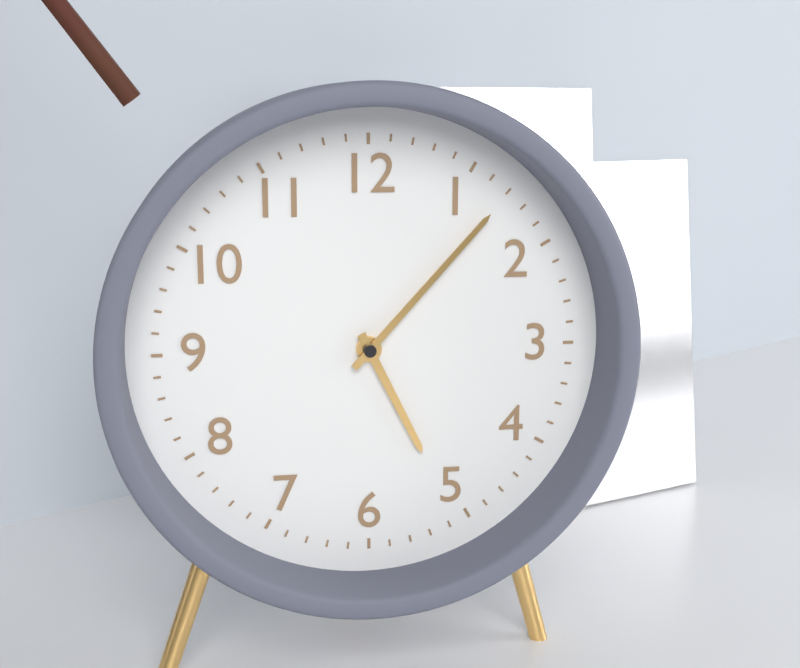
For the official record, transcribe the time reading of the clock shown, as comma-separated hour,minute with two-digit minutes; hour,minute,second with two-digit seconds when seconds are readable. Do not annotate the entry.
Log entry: 5,07
